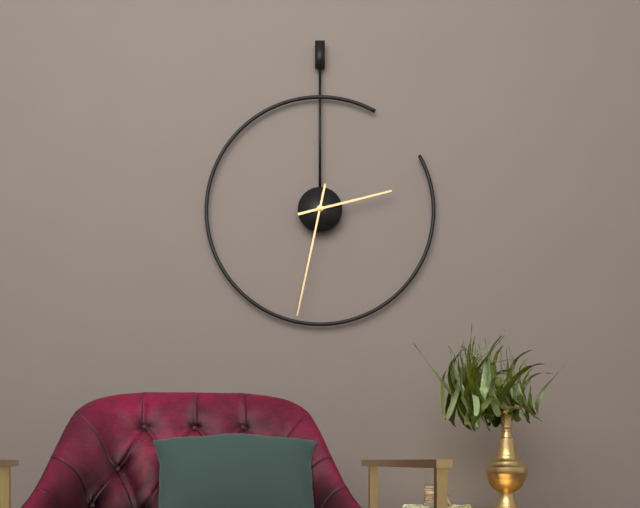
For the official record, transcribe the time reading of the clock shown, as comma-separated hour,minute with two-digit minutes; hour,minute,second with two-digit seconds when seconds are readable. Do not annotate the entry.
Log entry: 2,32
